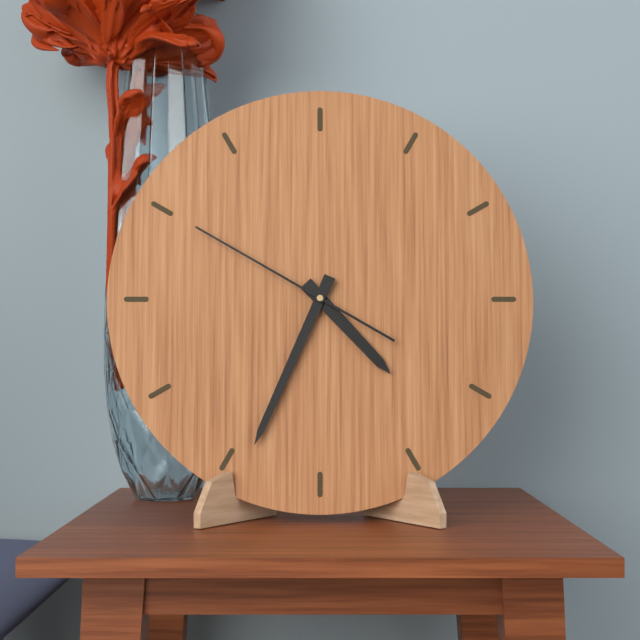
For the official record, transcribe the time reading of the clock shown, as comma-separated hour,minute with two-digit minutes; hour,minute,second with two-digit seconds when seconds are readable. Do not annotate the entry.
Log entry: 4,34,50
